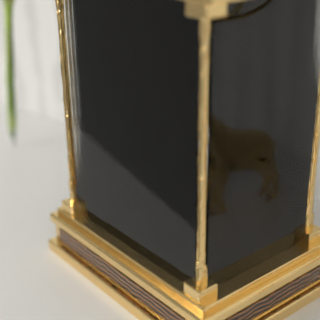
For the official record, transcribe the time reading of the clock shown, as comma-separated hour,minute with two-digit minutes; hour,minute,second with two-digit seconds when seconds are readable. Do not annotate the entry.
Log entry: 6,32
